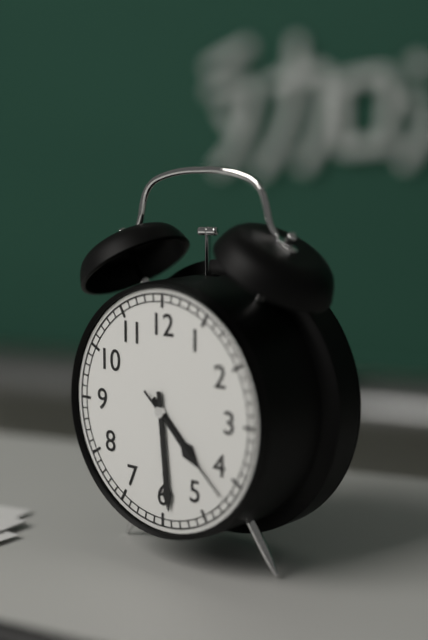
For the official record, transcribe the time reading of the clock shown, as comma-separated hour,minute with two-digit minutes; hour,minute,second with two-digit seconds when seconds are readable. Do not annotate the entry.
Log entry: 4,29,22
